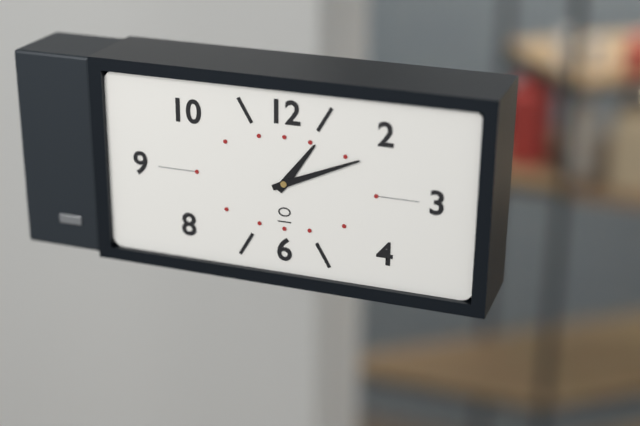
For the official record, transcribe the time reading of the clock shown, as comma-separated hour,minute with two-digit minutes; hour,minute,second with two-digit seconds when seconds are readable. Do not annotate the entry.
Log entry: 1,11
